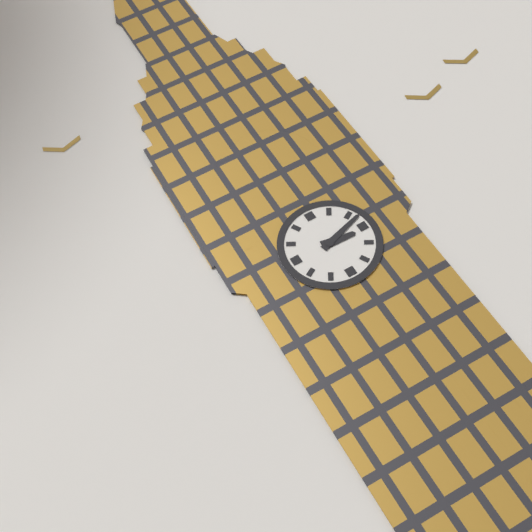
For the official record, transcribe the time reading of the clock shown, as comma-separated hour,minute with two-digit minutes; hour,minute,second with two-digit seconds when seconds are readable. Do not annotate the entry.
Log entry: 3,12
